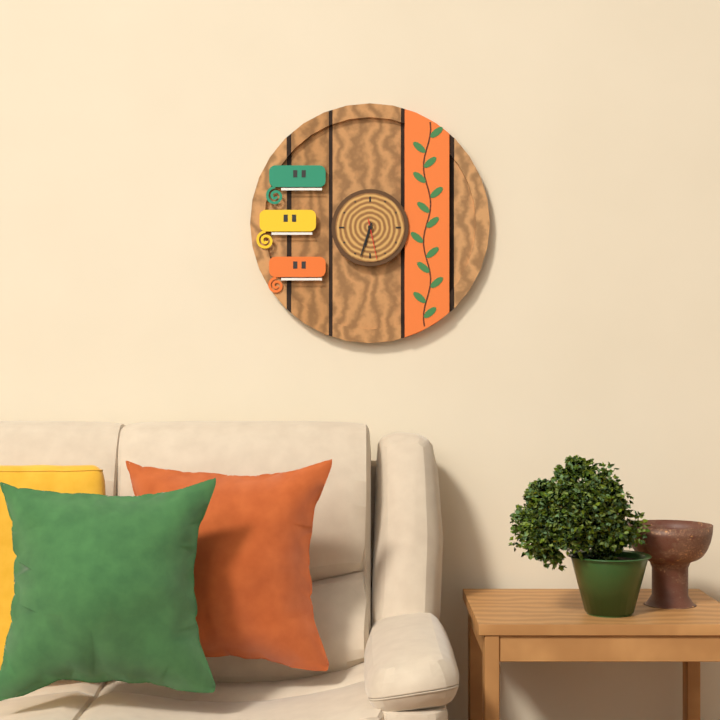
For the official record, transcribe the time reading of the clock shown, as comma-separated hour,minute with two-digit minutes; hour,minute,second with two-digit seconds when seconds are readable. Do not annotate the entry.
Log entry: 6,33
